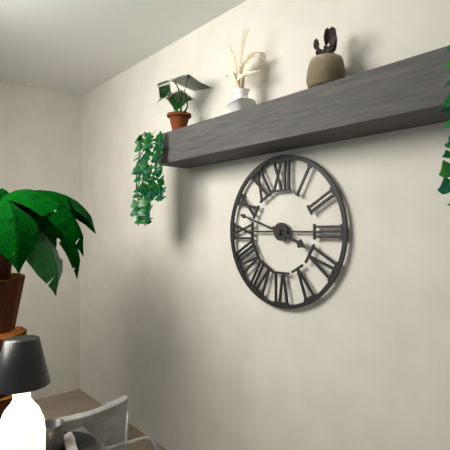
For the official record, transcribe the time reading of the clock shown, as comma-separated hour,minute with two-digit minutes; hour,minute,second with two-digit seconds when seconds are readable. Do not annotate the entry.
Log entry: 3,48
